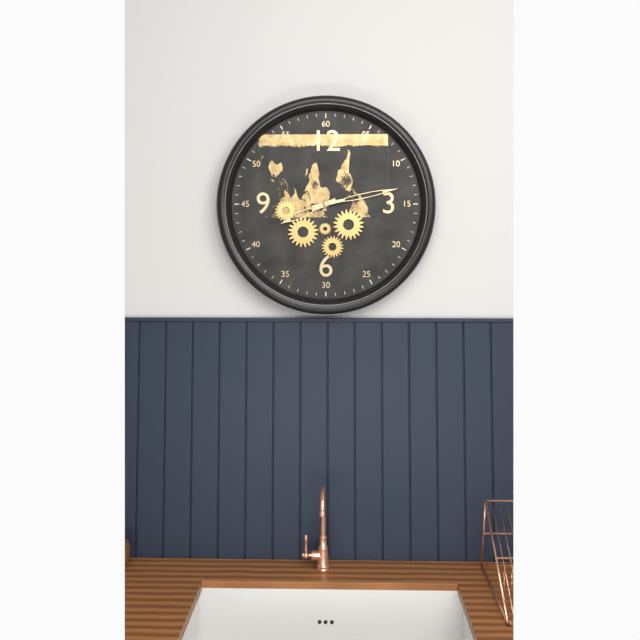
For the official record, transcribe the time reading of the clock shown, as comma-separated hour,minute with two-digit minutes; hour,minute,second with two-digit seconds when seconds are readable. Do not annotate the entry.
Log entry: 8,13
